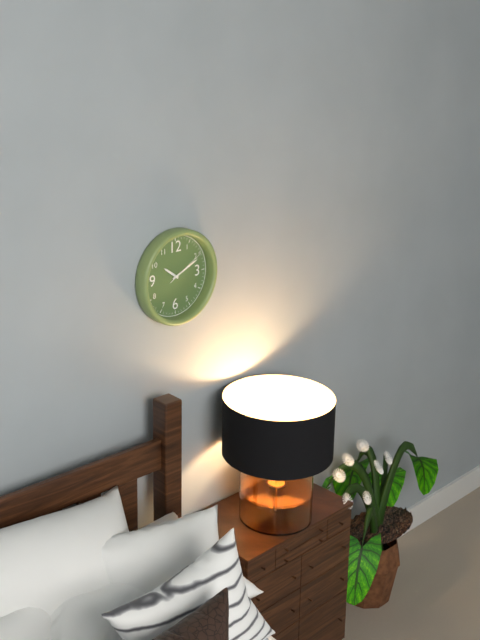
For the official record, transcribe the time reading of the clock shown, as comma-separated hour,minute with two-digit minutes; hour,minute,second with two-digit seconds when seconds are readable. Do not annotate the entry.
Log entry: 10,11
